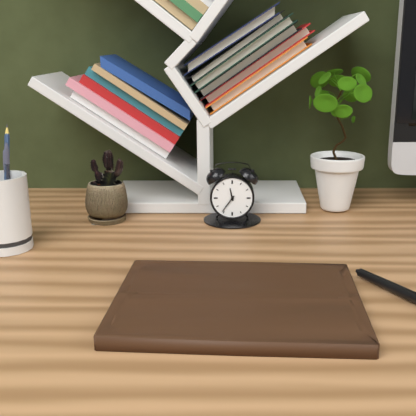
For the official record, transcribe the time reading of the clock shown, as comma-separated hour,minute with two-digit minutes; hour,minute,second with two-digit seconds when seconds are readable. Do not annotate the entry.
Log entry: 11,36
